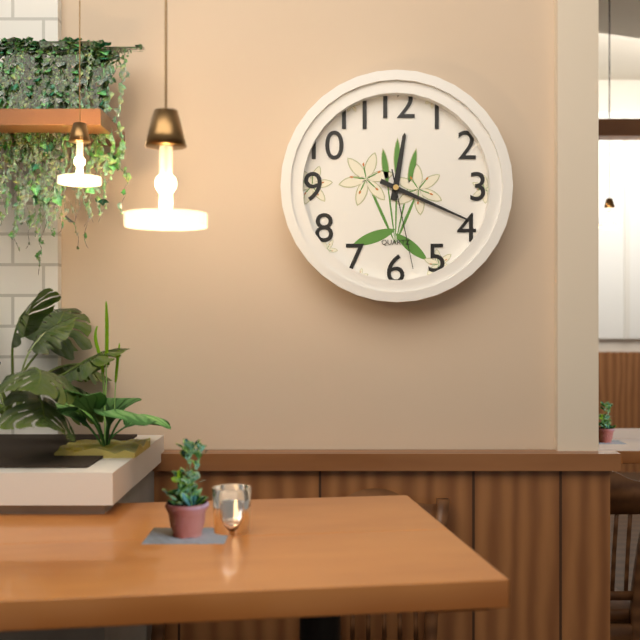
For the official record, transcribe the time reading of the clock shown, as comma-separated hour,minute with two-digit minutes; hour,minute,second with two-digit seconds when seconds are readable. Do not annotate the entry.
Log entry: 12,19,28
